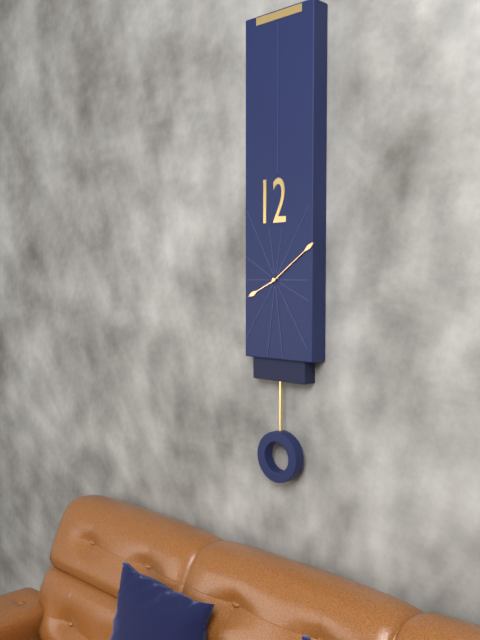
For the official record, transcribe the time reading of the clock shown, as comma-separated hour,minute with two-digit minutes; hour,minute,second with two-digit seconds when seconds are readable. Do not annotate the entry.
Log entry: 8,09
